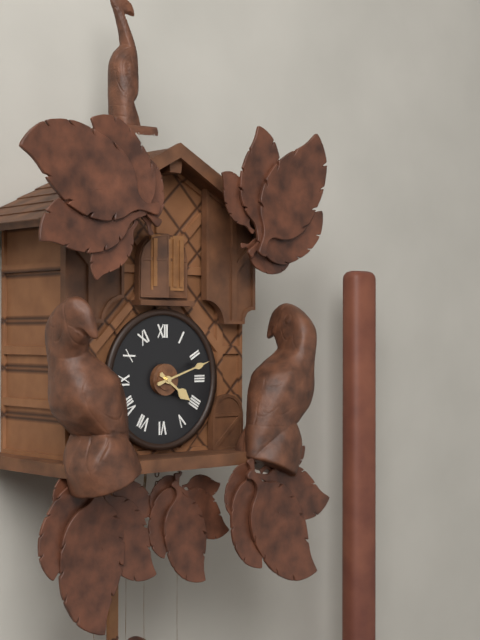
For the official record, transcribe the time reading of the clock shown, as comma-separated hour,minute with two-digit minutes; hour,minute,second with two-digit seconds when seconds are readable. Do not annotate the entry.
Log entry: 4,12
